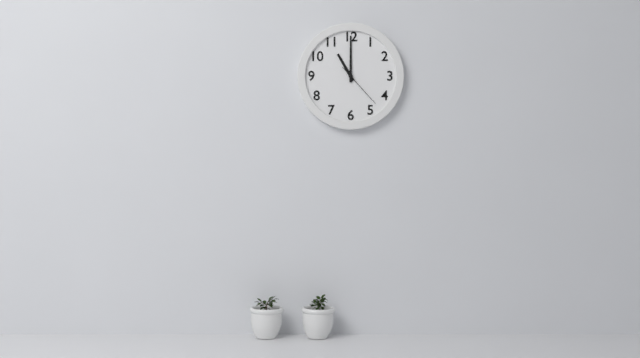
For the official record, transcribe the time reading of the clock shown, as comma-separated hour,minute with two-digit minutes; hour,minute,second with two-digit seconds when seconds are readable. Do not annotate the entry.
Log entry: 11,00
